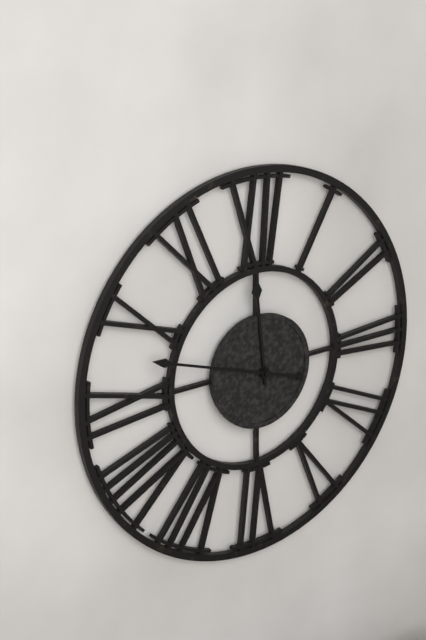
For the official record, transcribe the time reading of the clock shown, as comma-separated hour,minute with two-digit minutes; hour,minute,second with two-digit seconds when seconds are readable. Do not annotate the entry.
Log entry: 11,48
